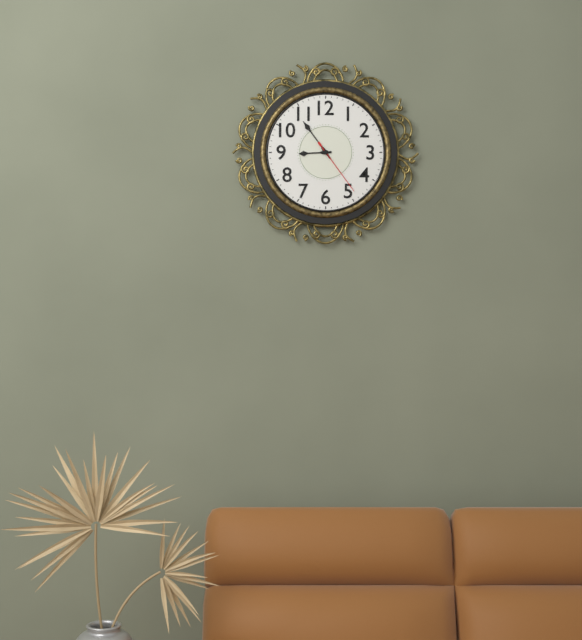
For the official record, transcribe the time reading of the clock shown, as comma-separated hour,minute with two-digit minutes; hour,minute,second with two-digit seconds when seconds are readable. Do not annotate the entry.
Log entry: 8,54,24
